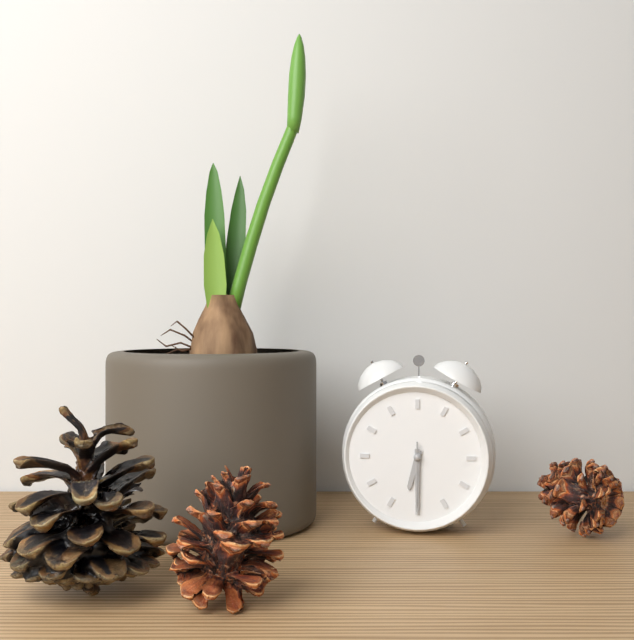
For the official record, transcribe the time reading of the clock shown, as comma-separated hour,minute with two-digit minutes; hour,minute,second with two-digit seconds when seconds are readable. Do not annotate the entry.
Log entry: 6,30,30
